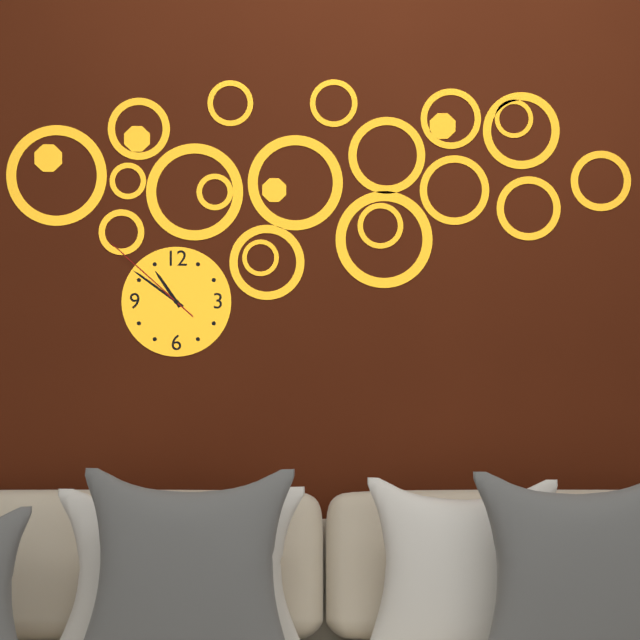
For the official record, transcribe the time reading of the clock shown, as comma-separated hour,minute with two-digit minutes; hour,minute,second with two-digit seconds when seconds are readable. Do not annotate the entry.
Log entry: 10,51,52
